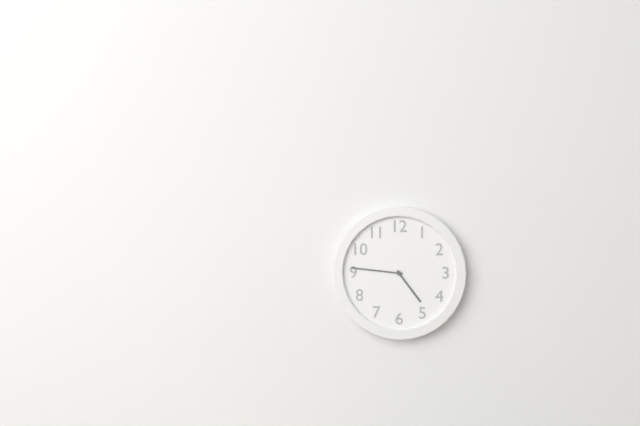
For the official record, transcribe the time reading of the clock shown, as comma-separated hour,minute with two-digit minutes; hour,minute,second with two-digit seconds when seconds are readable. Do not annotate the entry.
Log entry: 4,46
